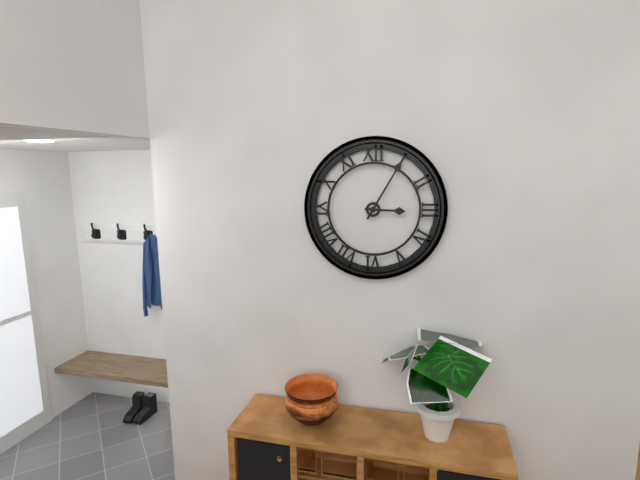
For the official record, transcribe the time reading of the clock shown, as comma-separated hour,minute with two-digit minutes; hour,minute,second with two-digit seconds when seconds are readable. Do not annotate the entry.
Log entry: 3,05
